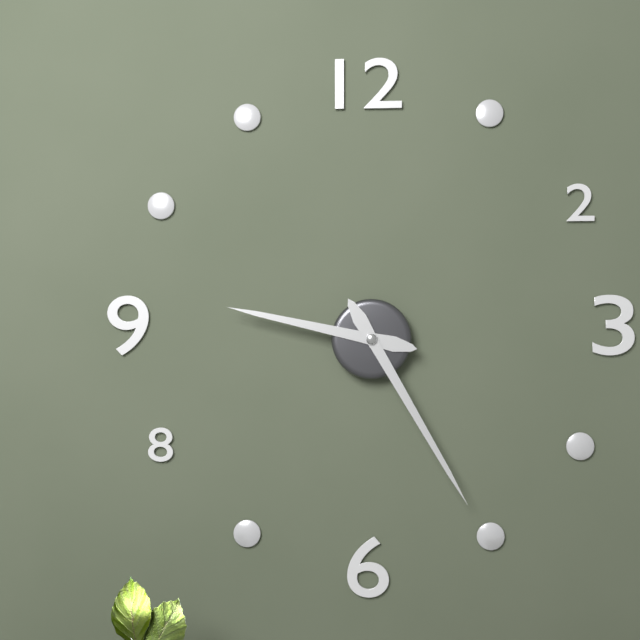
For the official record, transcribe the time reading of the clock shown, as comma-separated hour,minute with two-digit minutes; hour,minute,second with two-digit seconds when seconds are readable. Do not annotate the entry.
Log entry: 9,25
